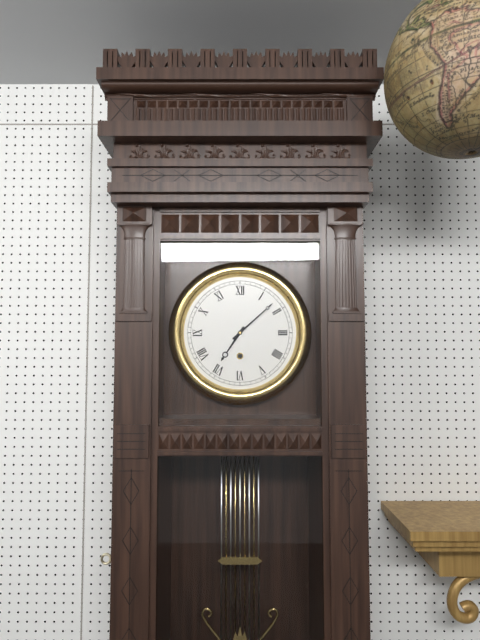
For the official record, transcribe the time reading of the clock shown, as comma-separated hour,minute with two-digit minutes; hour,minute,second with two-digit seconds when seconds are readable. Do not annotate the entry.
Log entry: 7,08
